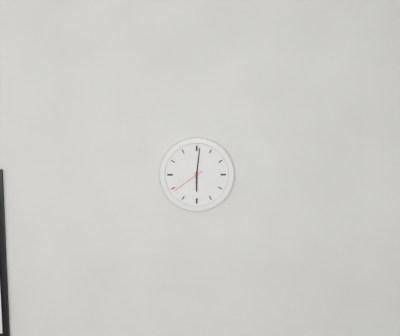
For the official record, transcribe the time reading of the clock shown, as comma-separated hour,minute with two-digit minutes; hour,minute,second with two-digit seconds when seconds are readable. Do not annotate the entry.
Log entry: 6,01
